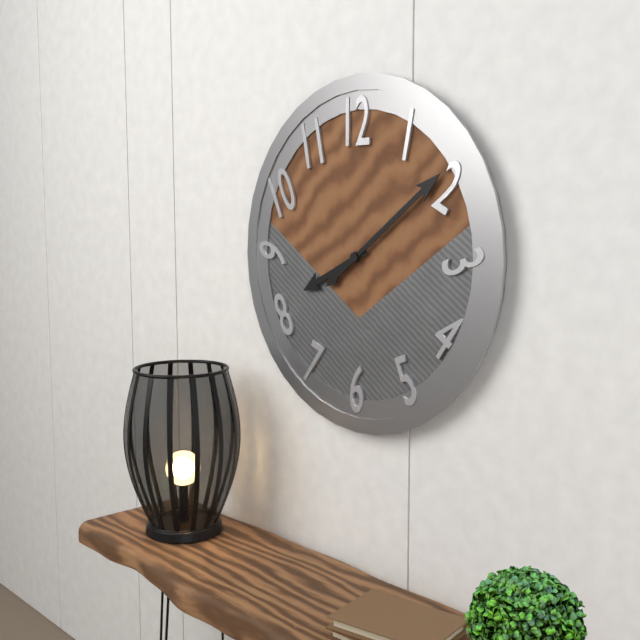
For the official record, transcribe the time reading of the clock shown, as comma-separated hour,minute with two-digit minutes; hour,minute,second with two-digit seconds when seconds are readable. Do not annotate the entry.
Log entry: 8,09
